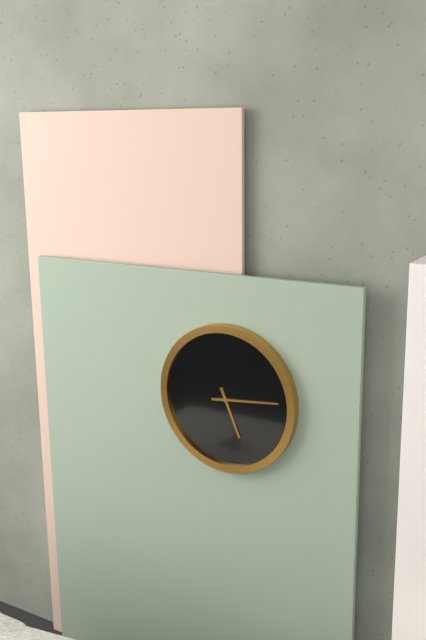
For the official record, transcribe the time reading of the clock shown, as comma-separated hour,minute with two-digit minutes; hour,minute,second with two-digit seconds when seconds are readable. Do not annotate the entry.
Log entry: 5,14
